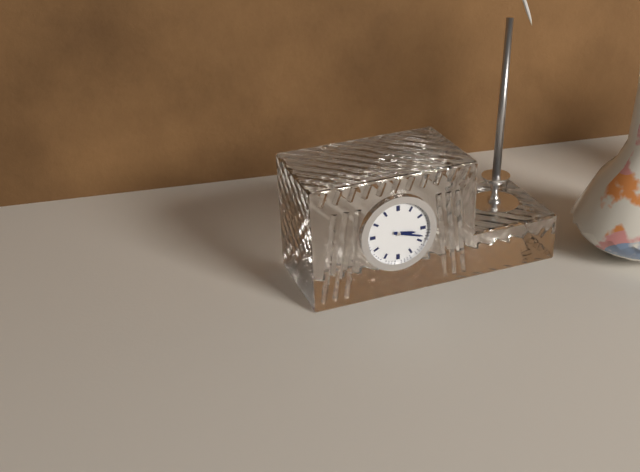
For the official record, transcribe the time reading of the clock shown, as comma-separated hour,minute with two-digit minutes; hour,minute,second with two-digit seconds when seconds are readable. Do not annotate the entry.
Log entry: 3,18
